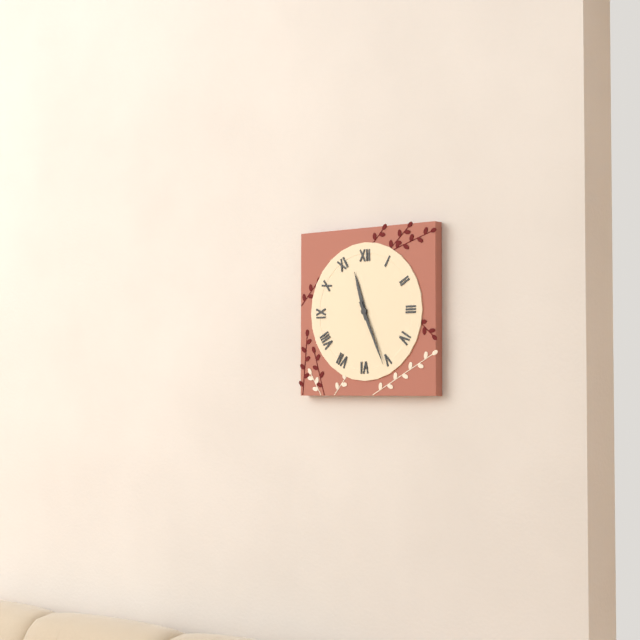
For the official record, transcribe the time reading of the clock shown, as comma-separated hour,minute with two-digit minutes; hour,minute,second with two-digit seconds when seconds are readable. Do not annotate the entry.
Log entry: 11,26
